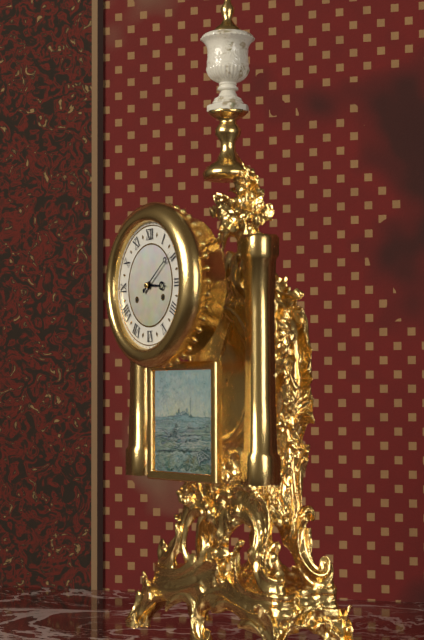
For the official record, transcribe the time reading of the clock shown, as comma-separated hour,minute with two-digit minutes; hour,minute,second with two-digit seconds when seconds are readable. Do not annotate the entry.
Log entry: 3,09
